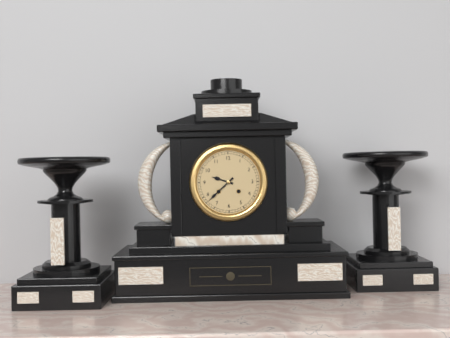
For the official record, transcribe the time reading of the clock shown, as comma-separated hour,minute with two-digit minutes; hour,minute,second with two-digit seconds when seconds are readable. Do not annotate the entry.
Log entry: 9,38
